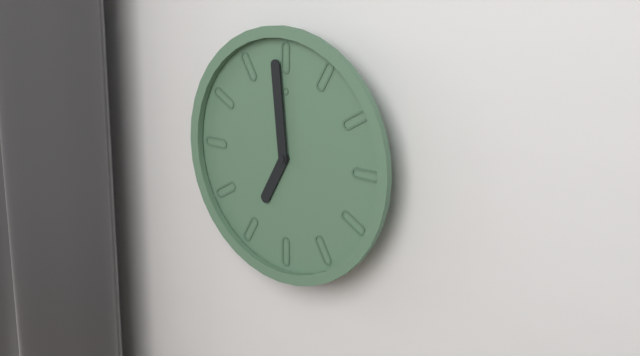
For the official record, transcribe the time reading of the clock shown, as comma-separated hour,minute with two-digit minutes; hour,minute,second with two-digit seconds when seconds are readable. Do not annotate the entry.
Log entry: 6,59
